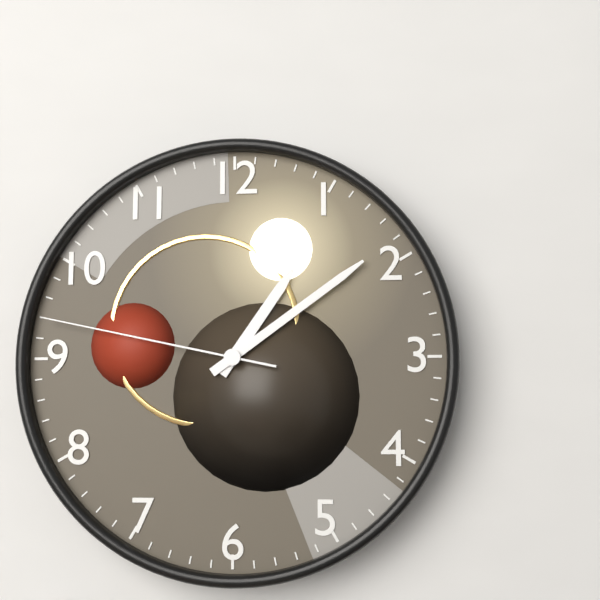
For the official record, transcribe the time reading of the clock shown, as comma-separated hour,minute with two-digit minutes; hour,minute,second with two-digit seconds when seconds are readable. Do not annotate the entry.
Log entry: 1,09,47
